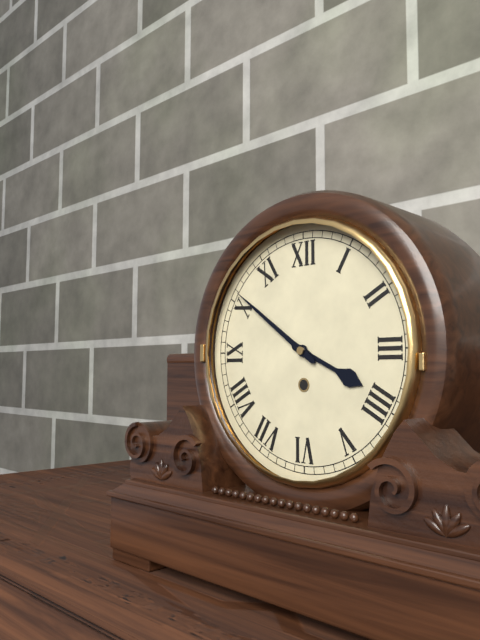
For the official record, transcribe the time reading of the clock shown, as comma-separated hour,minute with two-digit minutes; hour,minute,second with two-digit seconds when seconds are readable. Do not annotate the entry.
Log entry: 3,51
